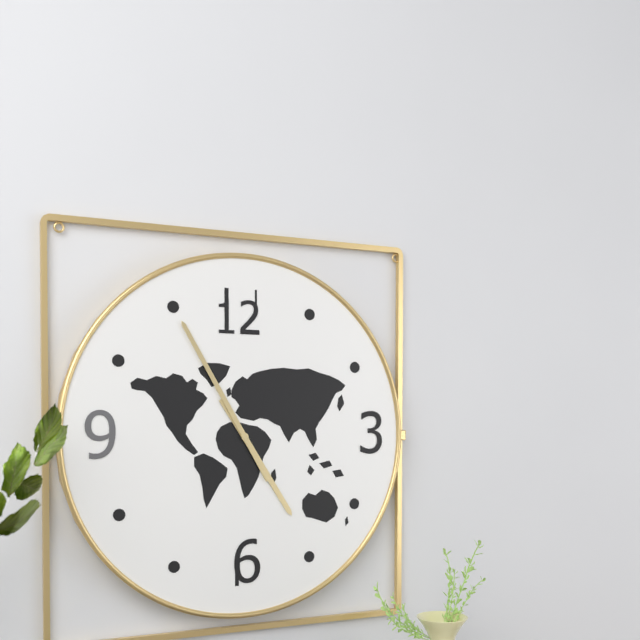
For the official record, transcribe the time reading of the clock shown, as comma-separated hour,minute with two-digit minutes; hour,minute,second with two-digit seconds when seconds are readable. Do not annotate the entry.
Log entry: 4,55
